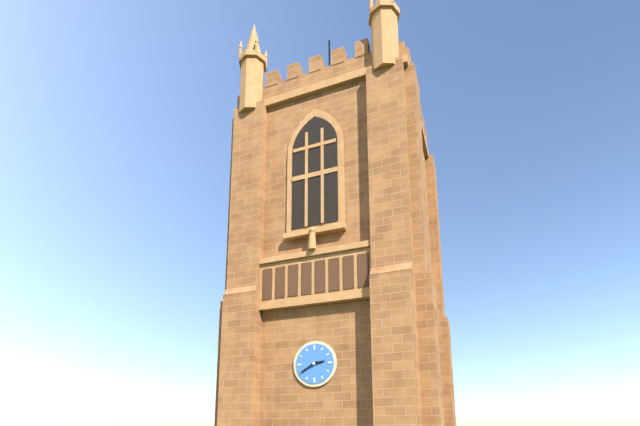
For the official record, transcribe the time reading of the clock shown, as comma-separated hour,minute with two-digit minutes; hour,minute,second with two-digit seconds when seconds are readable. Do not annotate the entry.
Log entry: 2,40
